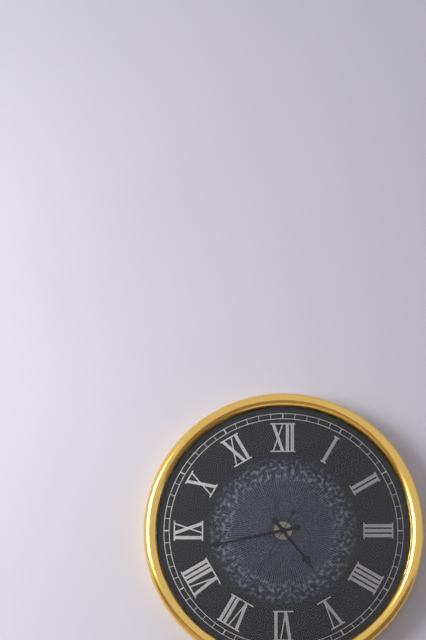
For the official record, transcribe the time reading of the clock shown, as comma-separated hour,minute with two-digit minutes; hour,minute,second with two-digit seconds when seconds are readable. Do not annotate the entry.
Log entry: 4,43,35
